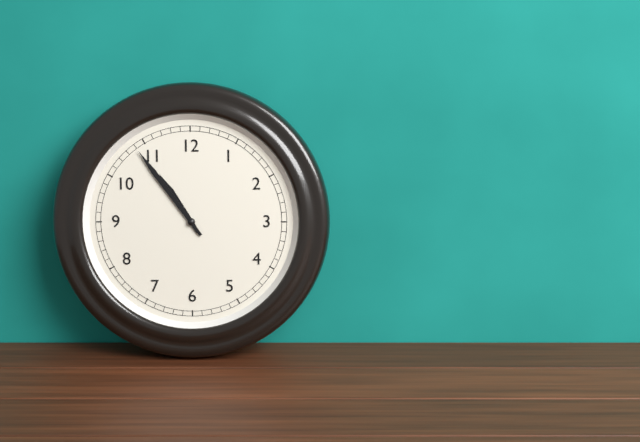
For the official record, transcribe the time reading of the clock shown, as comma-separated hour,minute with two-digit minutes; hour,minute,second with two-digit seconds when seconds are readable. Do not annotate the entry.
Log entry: 10,54
